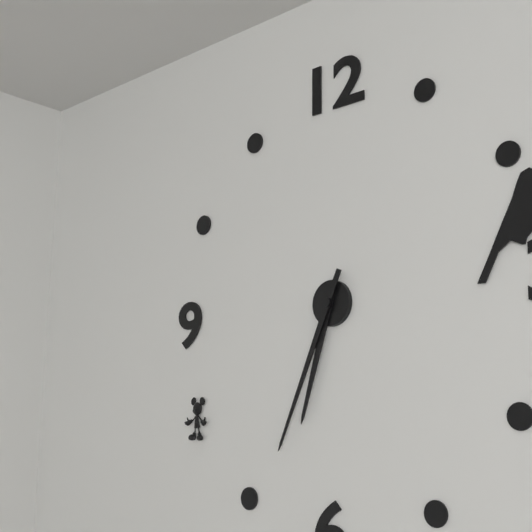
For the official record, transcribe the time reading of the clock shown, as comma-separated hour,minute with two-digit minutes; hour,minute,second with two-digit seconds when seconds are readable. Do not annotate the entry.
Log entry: 6,34
